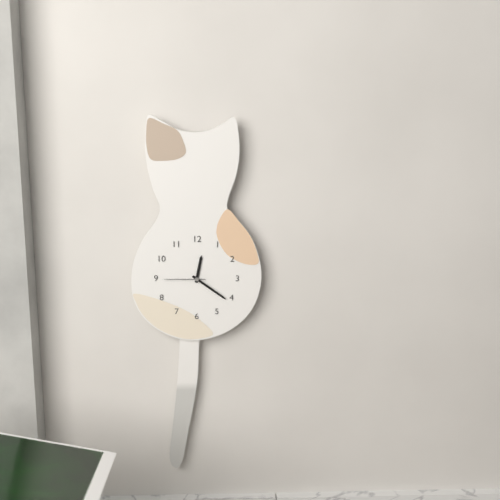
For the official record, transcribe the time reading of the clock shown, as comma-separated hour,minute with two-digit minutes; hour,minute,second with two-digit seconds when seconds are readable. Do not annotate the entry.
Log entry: 12,21
